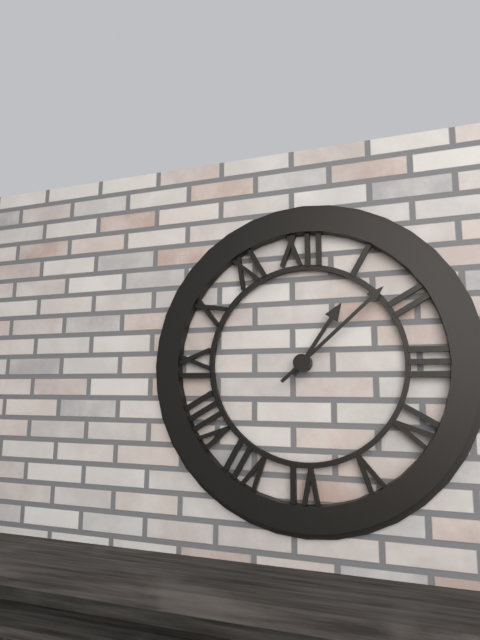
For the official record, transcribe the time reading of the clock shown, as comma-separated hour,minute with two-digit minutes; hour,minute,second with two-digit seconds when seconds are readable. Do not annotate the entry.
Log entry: 1,08
